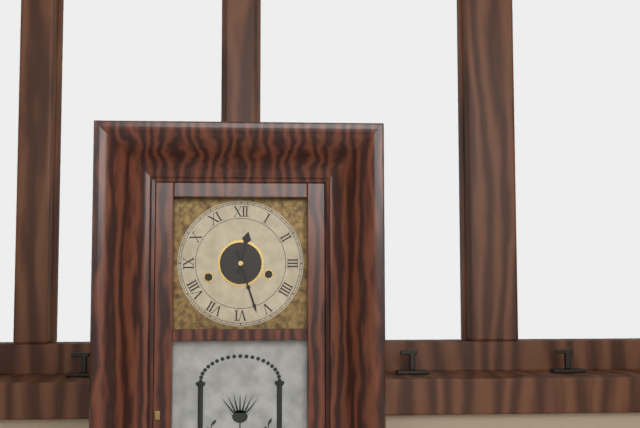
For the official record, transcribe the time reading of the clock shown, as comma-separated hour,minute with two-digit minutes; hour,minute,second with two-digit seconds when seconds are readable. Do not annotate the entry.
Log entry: 12,27
